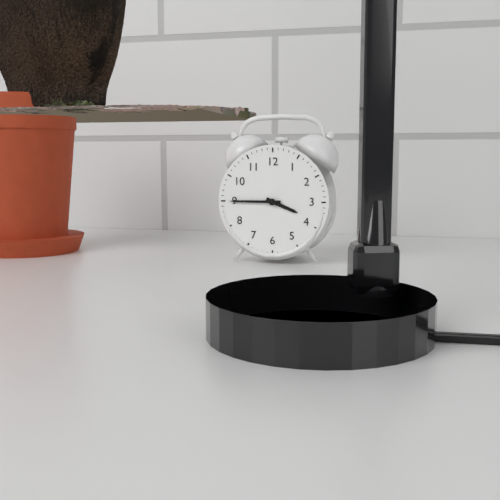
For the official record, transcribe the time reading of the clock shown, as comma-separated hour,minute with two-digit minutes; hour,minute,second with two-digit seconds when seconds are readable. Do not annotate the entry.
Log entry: 3,45
